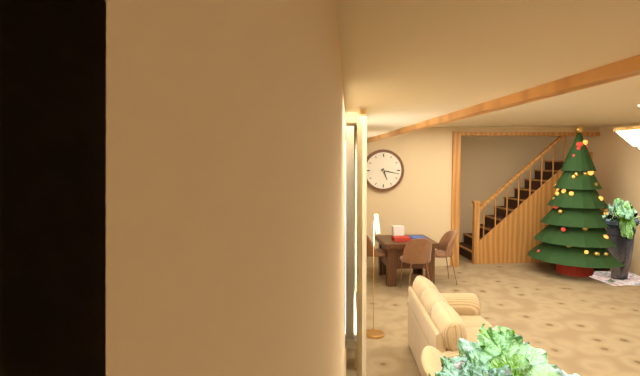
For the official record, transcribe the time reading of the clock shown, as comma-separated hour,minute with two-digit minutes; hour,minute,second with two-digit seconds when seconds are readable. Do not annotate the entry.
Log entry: 5,17
